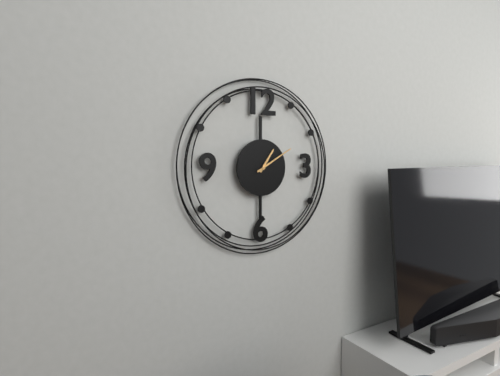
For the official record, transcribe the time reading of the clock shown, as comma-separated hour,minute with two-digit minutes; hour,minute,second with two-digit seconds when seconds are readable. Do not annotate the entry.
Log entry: 1,10
